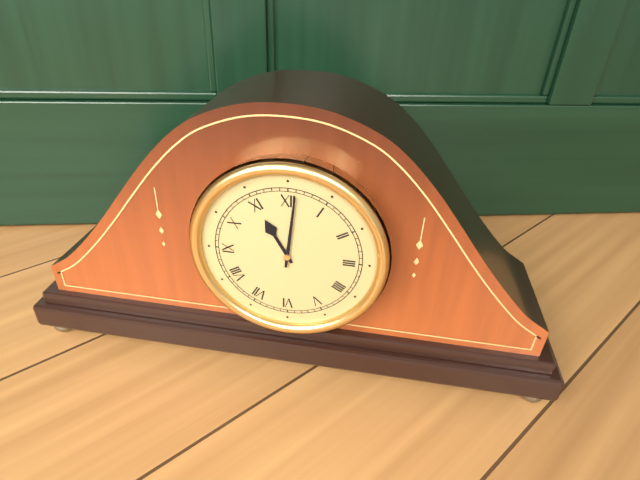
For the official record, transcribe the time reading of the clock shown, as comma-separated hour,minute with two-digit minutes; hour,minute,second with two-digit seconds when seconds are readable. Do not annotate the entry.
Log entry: 11,01
